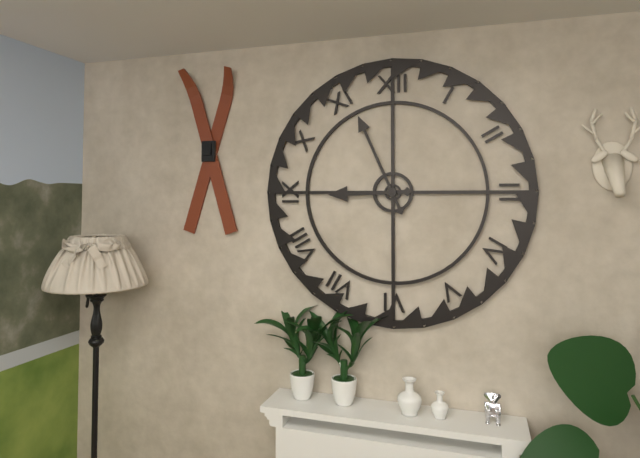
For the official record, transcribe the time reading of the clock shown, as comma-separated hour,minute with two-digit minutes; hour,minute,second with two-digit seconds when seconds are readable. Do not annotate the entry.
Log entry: 8,56
